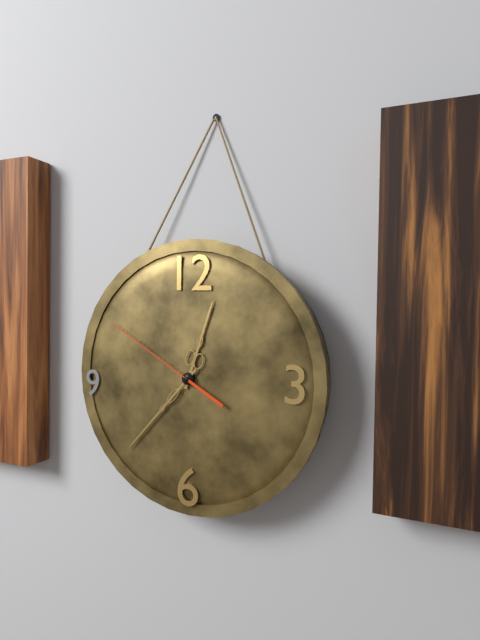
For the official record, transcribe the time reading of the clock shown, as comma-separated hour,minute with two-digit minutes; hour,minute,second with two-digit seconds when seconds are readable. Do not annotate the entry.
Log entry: 12,37,50
